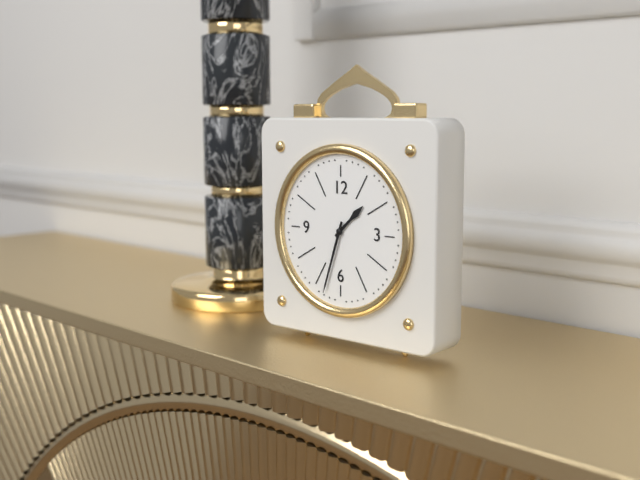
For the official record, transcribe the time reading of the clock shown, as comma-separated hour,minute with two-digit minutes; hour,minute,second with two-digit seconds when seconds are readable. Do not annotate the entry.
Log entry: 1,33
